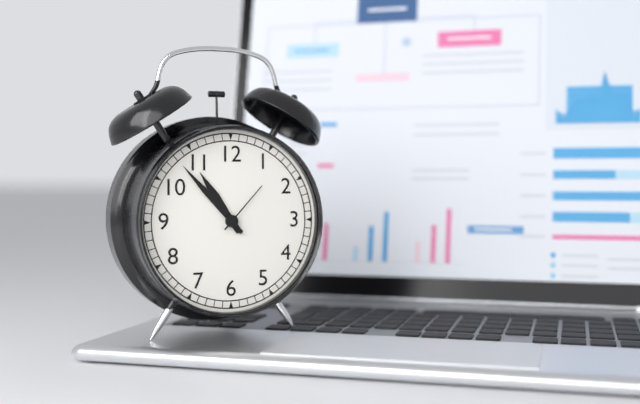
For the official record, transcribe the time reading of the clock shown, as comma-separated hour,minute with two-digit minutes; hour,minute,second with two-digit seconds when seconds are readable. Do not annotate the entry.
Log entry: 10,53,07
